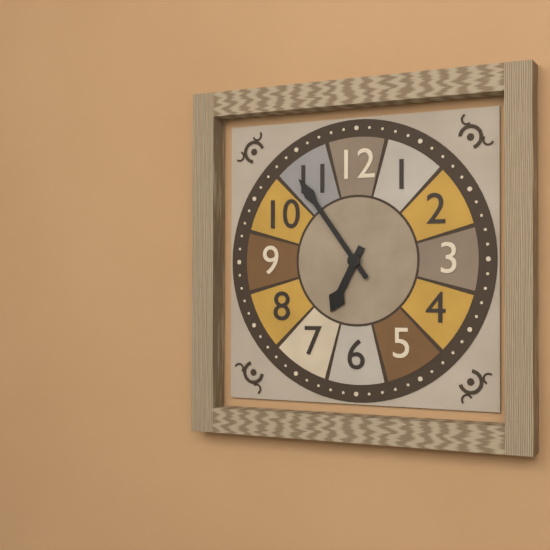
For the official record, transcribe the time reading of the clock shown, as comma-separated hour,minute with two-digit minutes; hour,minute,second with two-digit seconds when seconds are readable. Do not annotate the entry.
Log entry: 6,54
